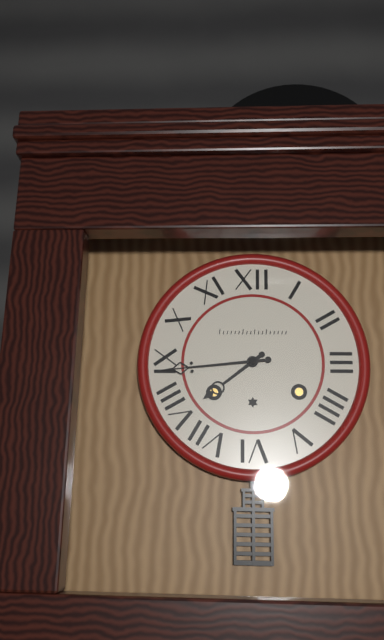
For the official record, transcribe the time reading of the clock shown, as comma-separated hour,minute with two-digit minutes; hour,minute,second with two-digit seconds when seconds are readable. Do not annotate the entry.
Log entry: 7,44
